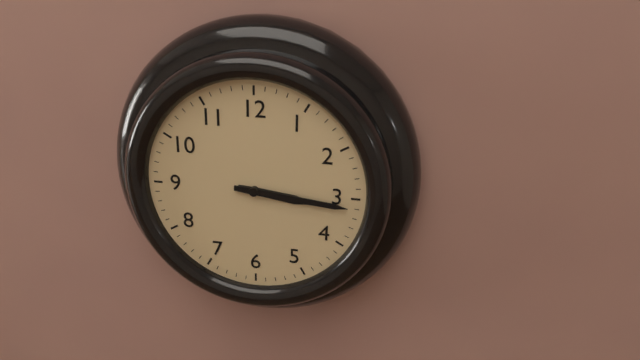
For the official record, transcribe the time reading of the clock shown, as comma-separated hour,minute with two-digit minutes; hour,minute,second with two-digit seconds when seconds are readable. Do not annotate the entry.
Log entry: 3,16
